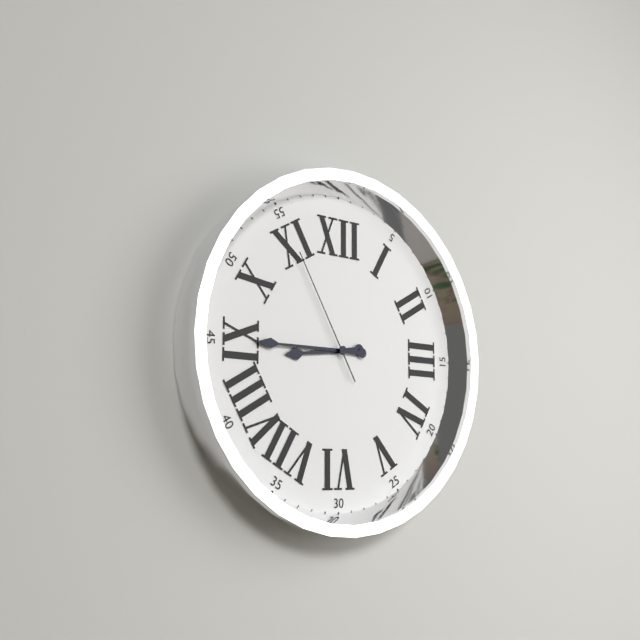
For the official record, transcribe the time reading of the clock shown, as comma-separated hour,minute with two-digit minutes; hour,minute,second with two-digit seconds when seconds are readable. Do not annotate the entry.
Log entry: 8,45,55
